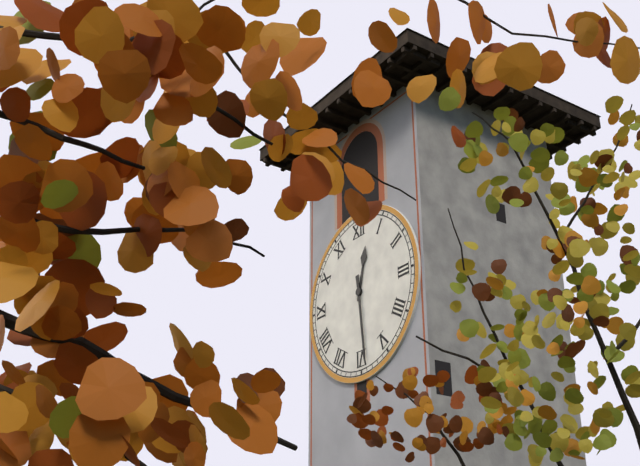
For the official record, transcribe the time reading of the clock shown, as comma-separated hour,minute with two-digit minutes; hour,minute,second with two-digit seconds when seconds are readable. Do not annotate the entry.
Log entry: 12,29
